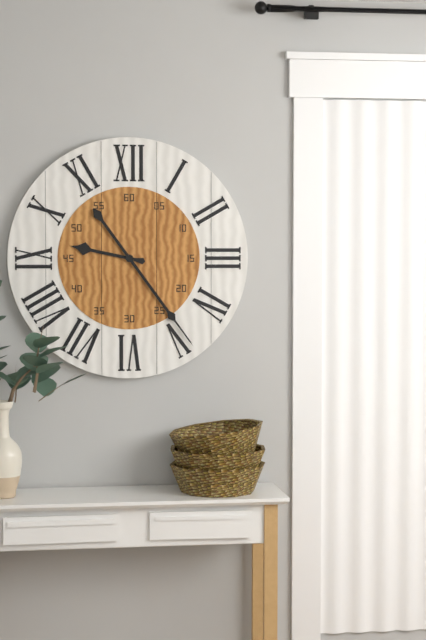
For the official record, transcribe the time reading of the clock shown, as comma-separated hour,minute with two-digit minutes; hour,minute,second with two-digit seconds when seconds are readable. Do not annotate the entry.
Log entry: 9,24
